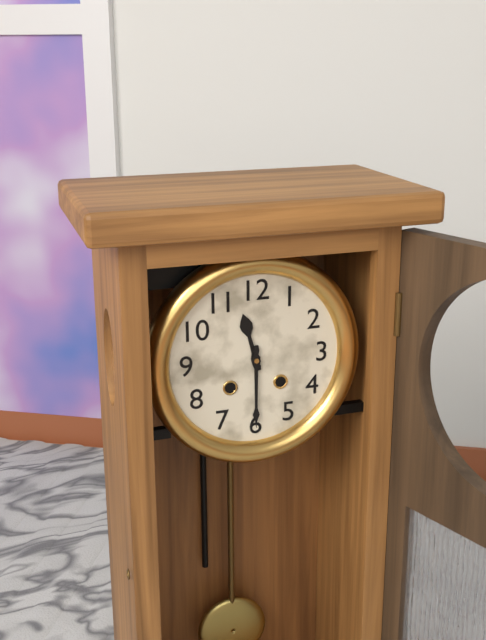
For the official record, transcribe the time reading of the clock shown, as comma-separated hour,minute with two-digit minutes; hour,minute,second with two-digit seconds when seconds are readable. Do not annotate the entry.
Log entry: 11,30
